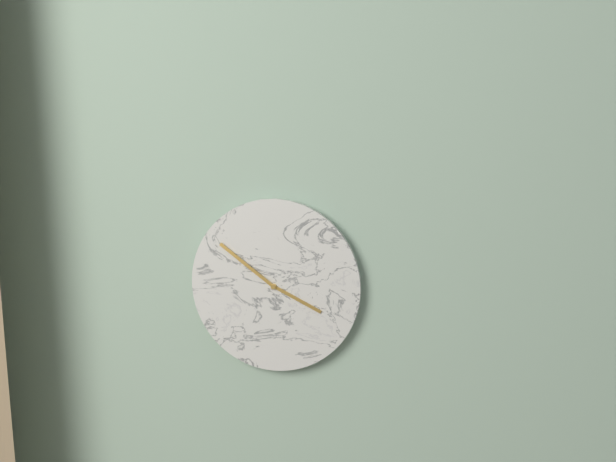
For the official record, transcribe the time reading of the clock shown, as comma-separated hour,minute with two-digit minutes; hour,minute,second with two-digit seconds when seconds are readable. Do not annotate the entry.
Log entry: 3,51
